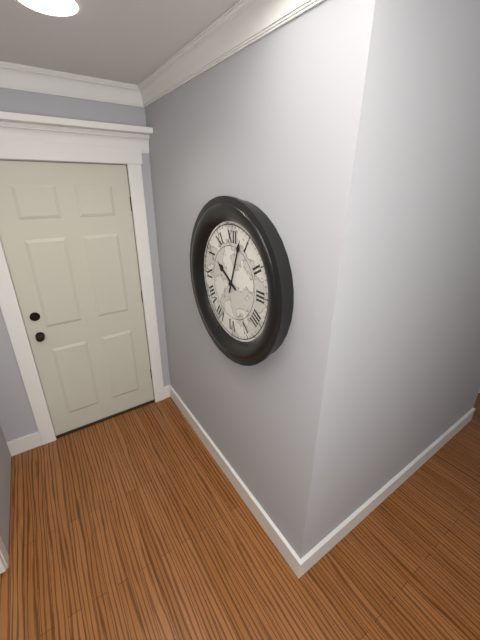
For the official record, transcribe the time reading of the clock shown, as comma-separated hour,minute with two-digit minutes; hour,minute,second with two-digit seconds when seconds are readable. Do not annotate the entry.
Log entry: 10,03
